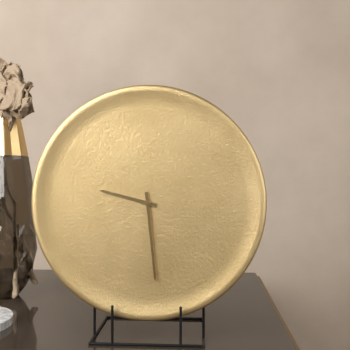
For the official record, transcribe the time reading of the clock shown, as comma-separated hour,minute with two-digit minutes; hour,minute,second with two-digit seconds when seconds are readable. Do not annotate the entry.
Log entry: 9,29
